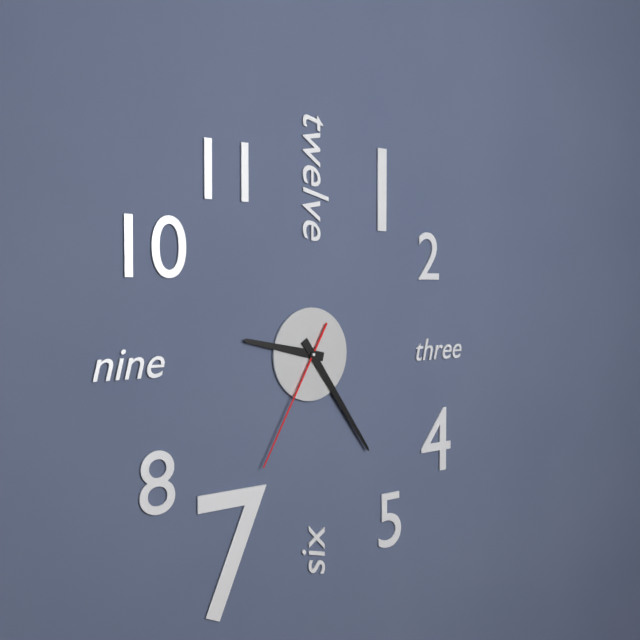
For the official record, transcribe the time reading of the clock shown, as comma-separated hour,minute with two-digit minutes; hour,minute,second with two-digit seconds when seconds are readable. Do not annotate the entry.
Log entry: 9,24,35
